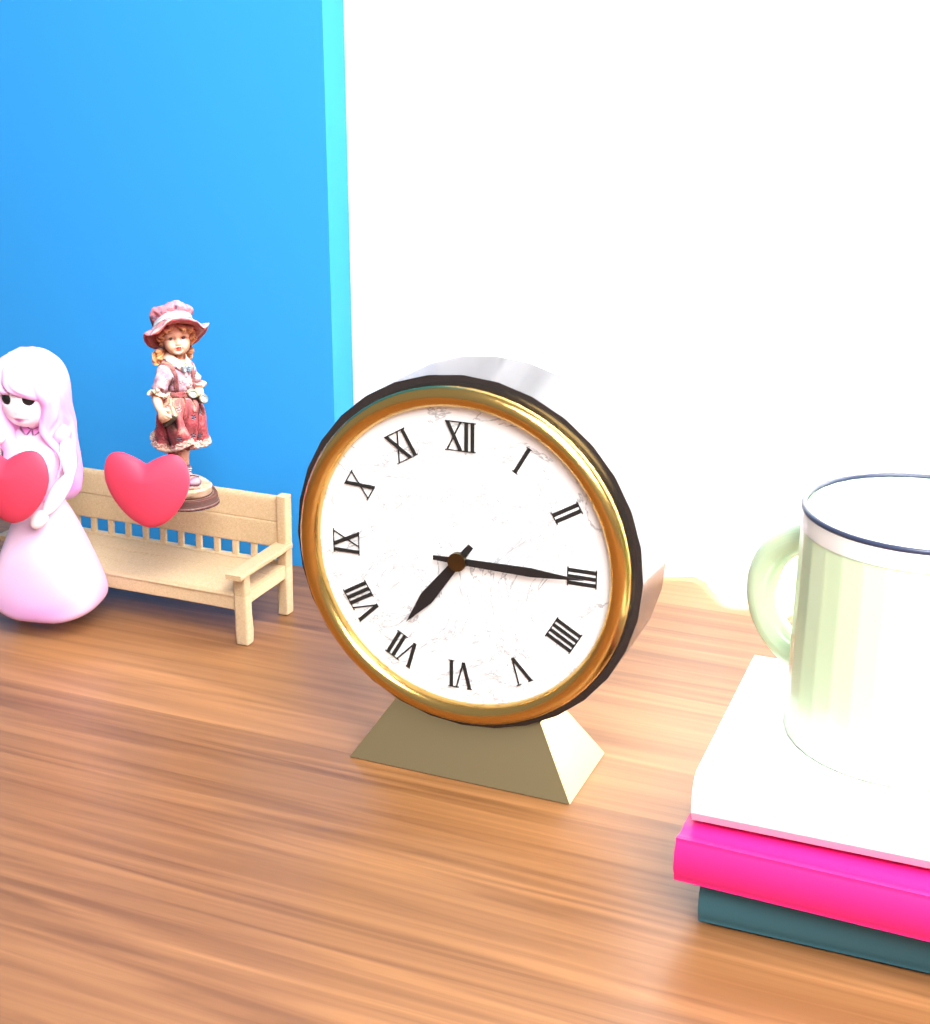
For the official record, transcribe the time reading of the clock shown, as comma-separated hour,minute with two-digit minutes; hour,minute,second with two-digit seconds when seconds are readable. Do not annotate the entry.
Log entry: 7,15
